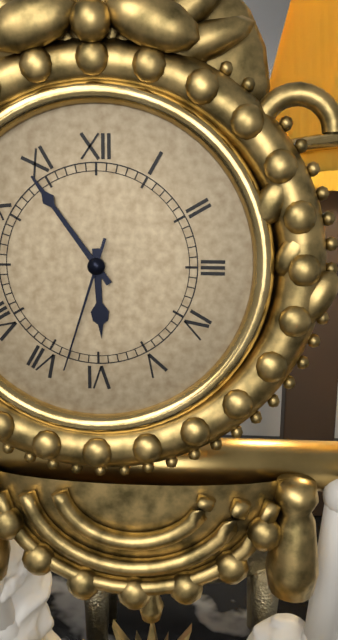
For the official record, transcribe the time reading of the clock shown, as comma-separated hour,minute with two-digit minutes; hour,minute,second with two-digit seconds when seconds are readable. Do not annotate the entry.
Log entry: 5,54,33
